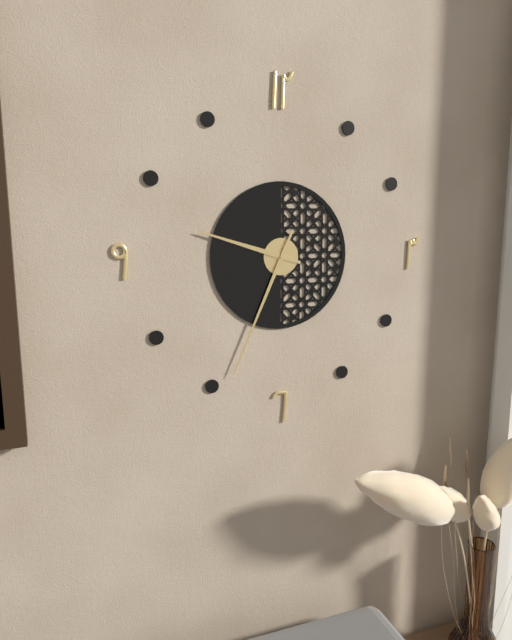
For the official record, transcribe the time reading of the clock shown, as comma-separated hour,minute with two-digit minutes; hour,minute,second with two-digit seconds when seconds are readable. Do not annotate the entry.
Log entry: 9,34
